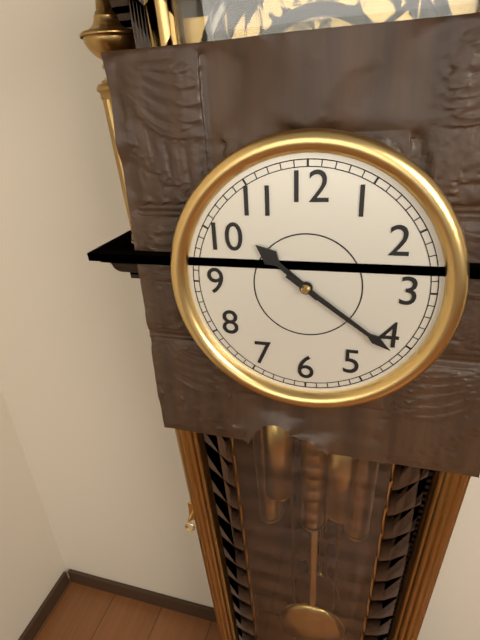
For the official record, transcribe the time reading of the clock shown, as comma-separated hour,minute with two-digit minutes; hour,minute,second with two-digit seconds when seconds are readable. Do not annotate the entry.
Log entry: 10,21
